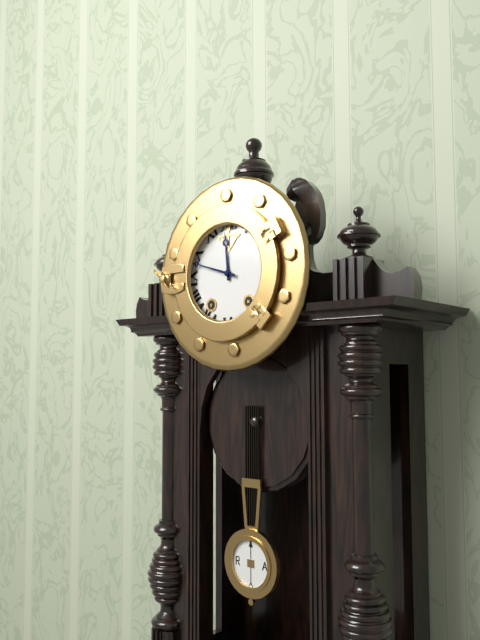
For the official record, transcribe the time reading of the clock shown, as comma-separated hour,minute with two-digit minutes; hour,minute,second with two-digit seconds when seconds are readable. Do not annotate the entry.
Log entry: 11,48
